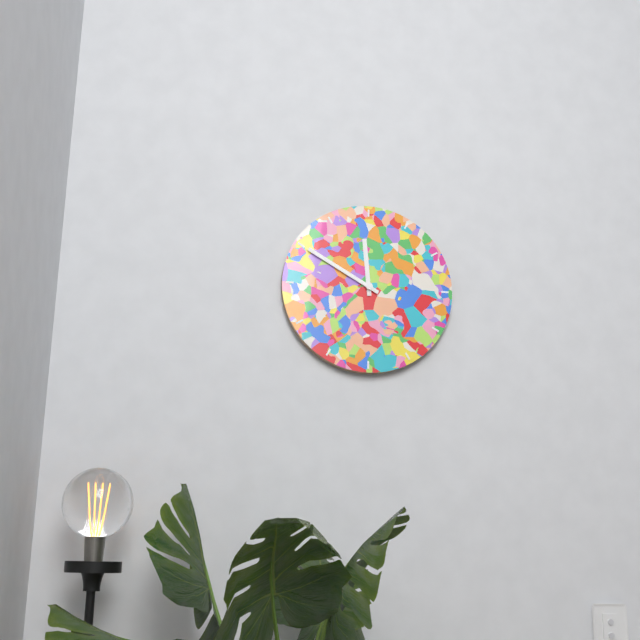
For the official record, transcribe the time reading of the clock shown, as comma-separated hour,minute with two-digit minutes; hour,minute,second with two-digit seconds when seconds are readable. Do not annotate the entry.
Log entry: 11,50
